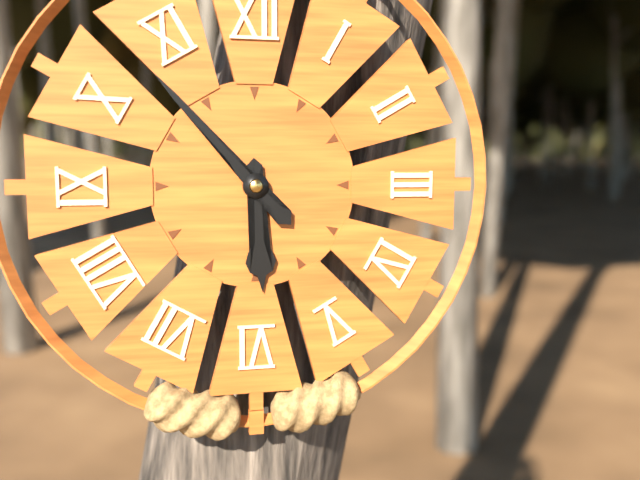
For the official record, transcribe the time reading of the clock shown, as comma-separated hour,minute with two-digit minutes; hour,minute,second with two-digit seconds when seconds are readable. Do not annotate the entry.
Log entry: 5,53
